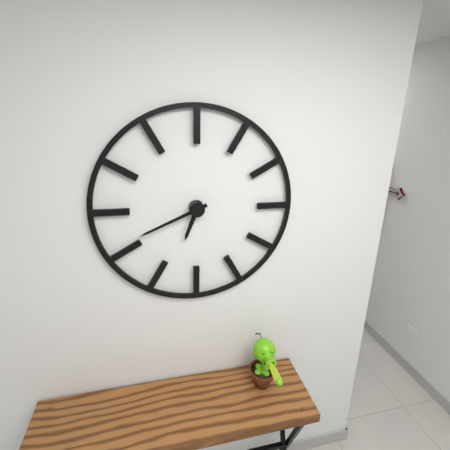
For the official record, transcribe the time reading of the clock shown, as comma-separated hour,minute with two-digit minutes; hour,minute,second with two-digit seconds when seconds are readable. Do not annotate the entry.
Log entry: 6,41
